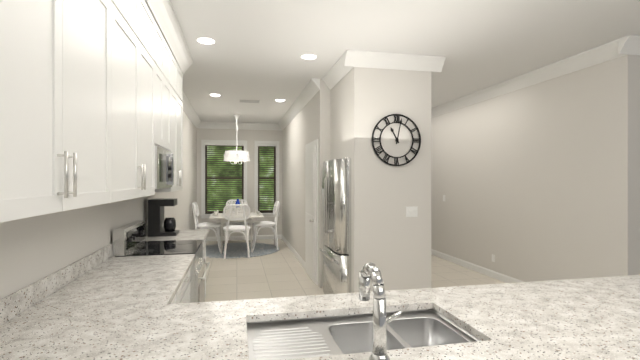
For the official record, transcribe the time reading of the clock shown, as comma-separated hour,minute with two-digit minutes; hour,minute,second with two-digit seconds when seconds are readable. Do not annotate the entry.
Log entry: 11,02
